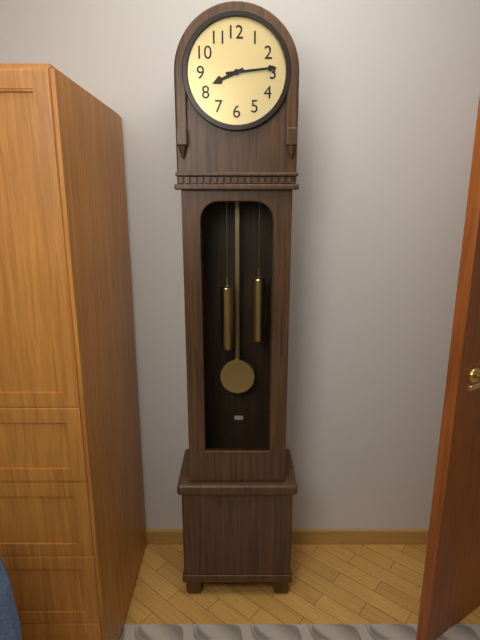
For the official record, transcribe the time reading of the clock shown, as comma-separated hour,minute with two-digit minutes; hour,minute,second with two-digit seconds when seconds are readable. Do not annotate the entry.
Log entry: 8,14
